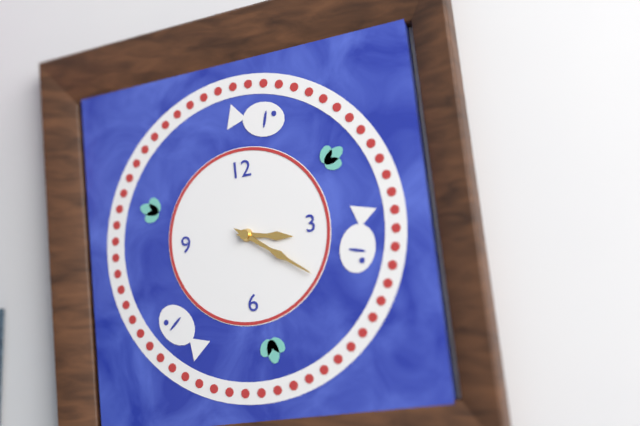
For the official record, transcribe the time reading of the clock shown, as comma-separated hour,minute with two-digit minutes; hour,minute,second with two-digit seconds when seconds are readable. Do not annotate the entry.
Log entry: 3,21
